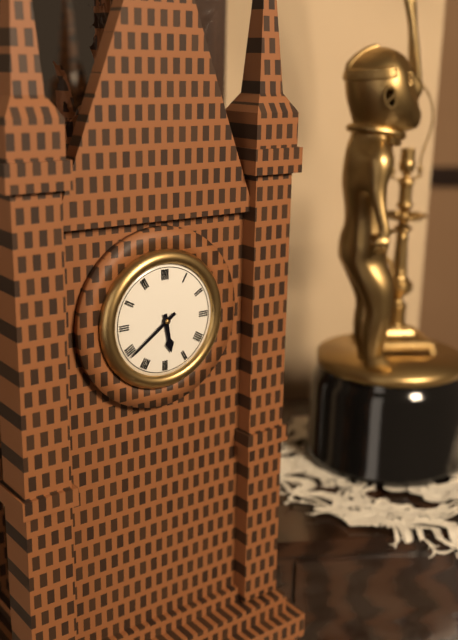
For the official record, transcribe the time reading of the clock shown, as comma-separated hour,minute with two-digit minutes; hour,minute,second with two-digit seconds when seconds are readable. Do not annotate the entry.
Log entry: 5,39
